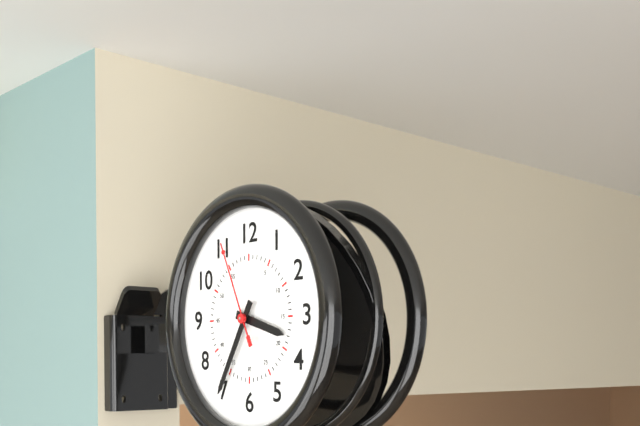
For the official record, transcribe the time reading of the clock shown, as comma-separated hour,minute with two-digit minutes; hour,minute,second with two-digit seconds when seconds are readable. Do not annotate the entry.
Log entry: 3,35,56
